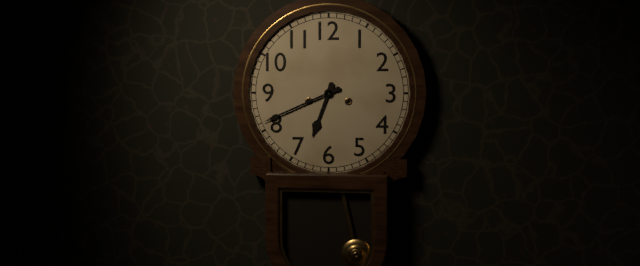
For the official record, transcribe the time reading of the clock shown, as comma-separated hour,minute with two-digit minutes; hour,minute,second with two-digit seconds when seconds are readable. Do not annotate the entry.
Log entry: 6,41
